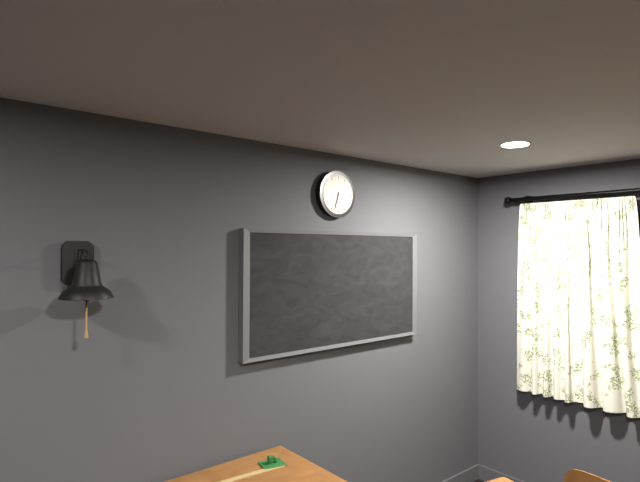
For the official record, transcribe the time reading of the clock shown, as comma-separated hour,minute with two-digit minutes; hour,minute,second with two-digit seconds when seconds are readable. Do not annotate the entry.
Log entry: 6,33
